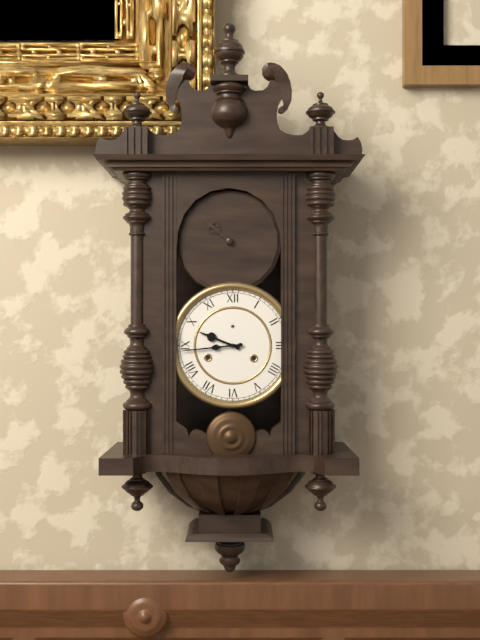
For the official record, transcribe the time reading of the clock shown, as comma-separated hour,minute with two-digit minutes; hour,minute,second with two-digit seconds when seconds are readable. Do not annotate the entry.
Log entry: 9,44
